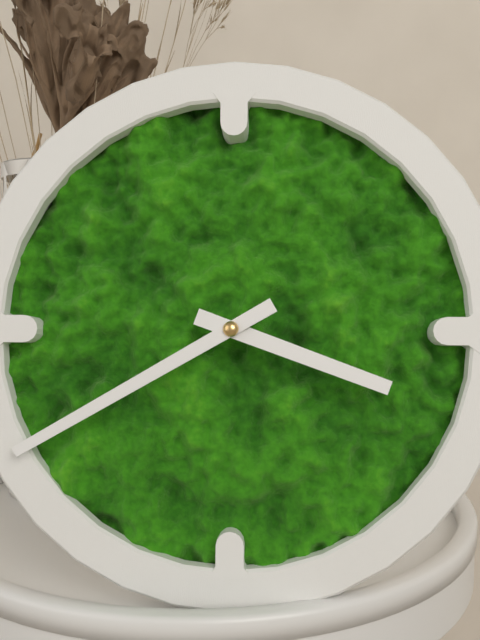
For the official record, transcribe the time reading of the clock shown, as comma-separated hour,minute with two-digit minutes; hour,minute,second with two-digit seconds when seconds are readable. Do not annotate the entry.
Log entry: 3,40
